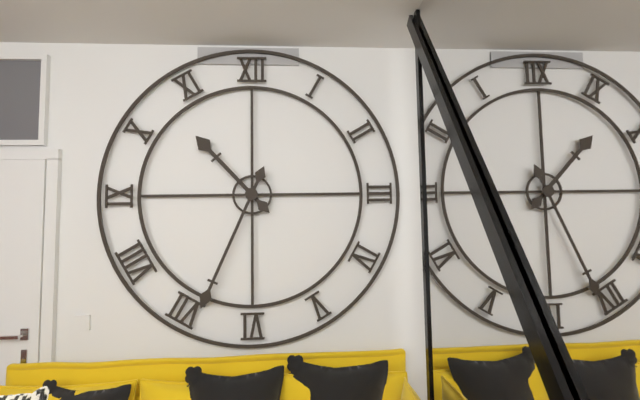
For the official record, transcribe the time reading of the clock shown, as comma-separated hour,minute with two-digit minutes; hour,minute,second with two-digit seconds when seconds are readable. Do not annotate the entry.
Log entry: 10,34
